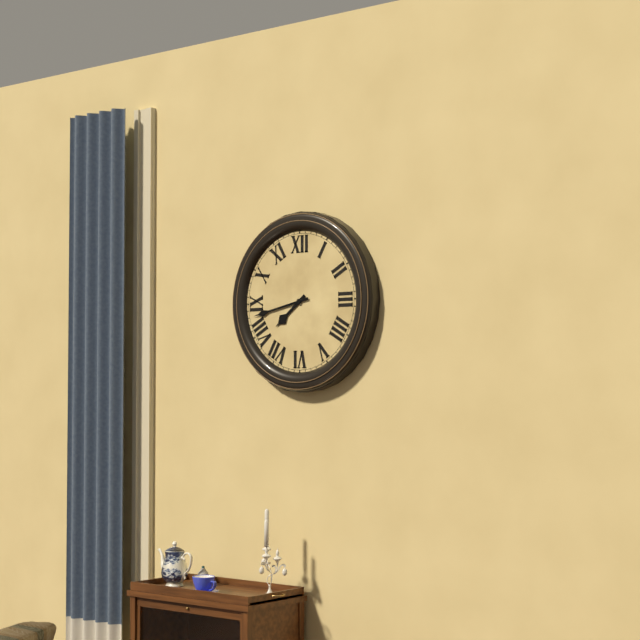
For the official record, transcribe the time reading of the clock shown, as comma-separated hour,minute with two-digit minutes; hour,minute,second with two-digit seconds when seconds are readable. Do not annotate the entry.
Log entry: 7,43
